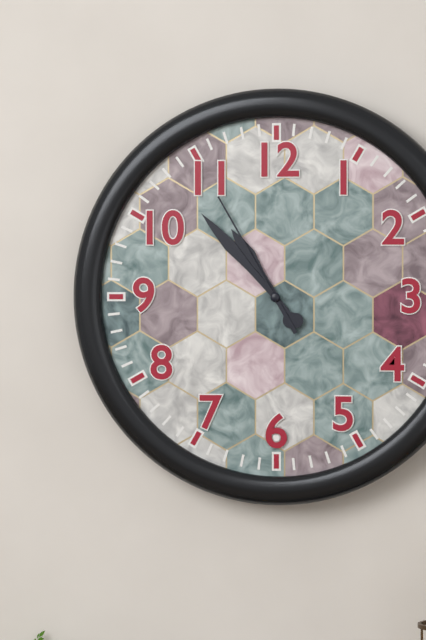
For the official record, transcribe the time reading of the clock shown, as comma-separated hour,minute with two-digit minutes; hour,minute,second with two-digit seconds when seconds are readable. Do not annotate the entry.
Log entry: 10,53,55
